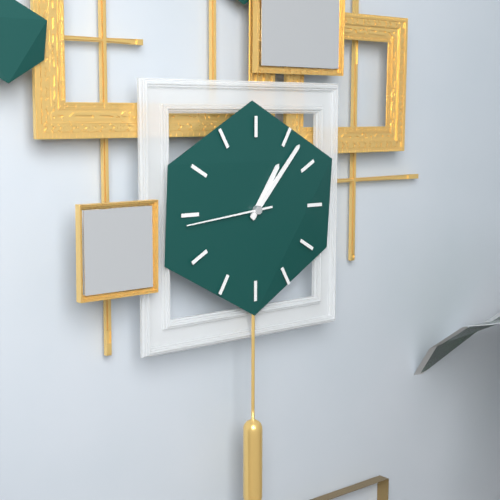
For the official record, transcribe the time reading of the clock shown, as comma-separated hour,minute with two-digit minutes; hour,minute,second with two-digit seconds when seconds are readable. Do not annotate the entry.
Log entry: 1,07,44
